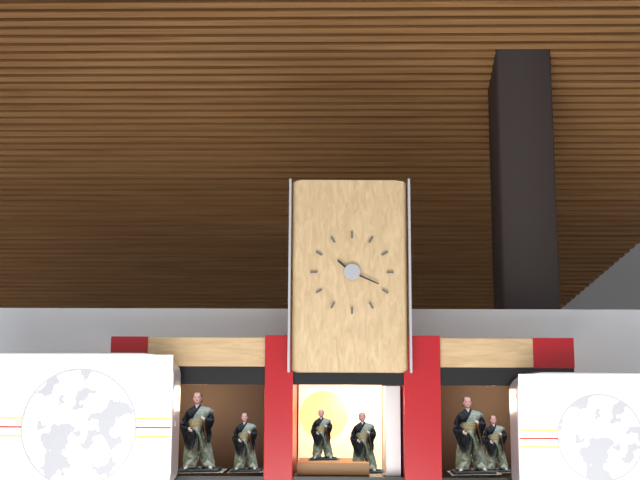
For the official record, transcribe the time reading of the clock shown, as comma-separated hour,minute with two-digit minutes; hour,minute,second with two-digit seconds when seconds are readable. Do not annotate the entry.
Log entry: 10,19
